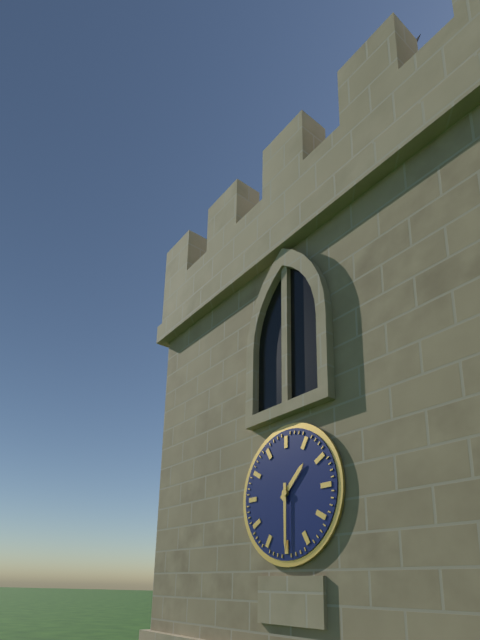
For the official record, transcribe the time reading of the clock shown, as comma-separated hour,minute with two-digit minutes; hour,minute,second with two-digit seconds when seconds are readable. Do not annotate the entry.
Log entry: 1,30
